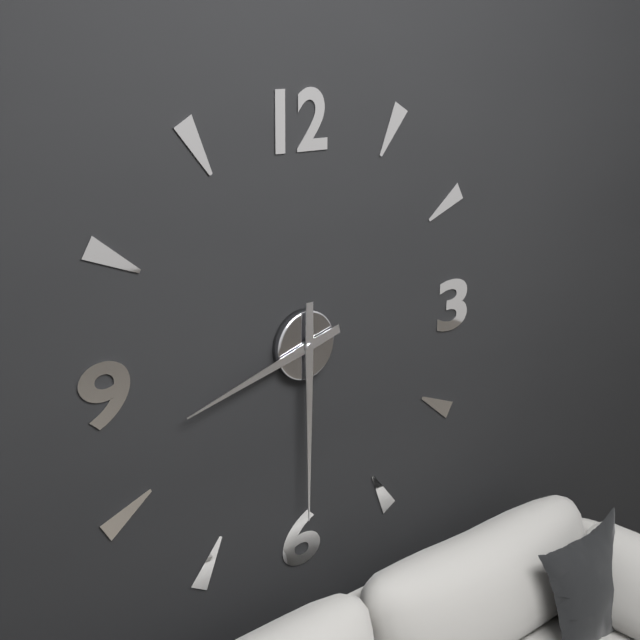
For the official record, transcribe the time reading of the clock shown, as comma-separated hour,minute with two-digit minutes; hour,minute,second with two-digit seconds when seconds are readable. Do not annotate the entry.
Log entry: 8,30
